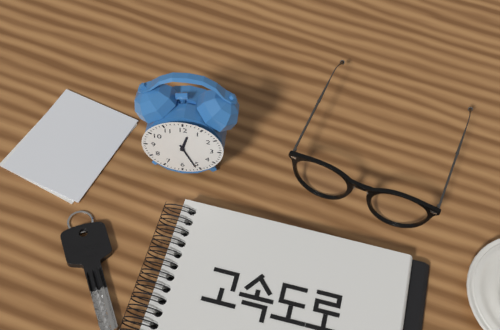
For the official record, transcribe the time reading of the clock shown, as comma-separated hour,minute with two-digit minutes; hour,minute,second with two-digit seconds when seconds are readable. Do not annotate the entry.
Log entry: 12,26
